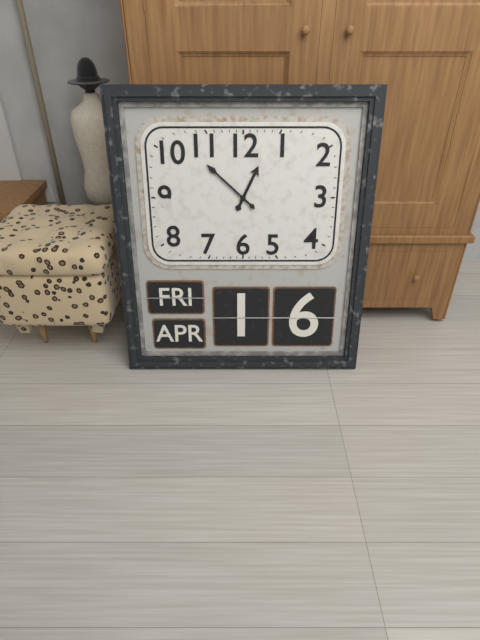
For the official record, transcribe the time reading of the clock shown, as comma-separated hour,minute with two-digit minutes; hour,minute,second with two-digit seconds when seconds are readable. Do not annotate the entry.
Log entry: 12,52
